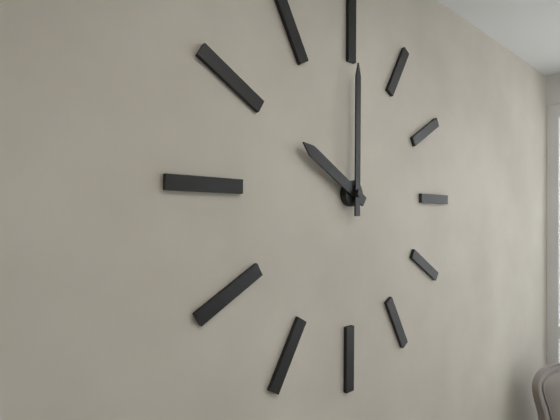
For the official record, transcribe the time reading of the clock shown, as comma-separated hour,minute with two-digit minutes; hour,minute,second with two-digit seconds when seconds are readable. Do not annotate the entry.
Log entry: 10,00
